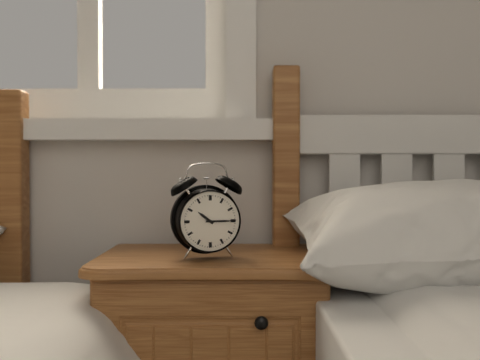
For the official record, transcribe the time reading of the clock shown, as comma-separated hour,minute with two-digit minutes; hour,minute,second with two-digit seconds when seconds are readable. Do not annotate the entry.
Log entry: 10,15
